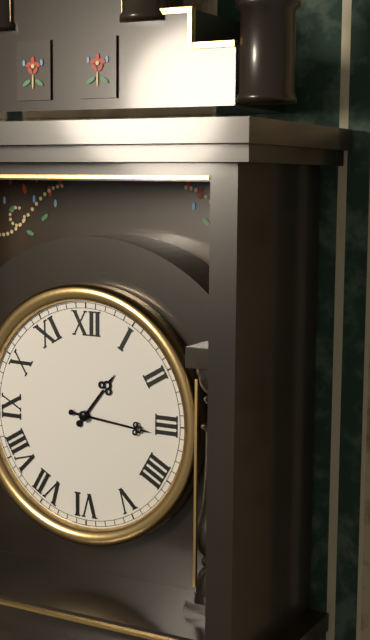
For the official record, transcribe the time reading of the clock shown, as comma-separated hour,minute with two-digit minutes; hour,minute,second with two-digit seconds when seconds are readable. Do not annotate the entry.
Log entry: 1,16
